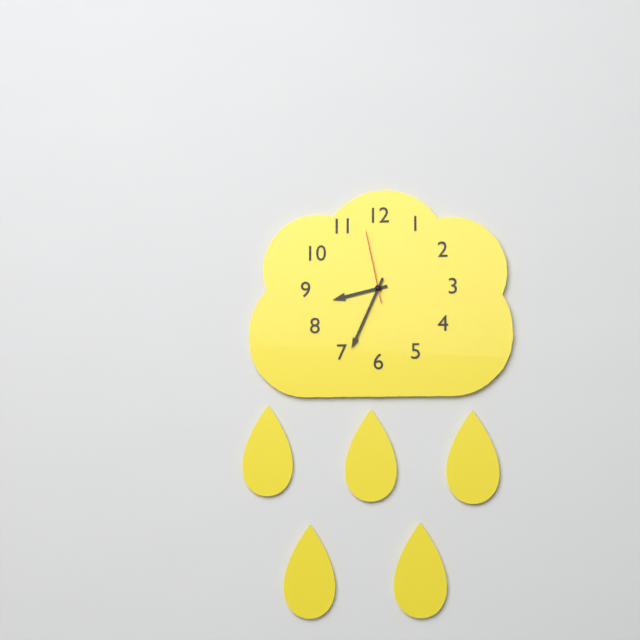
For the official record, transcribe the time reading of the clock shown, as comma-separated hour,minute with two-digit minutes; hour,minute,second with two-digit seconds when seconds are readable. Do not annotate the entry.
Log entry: 8,34,58
